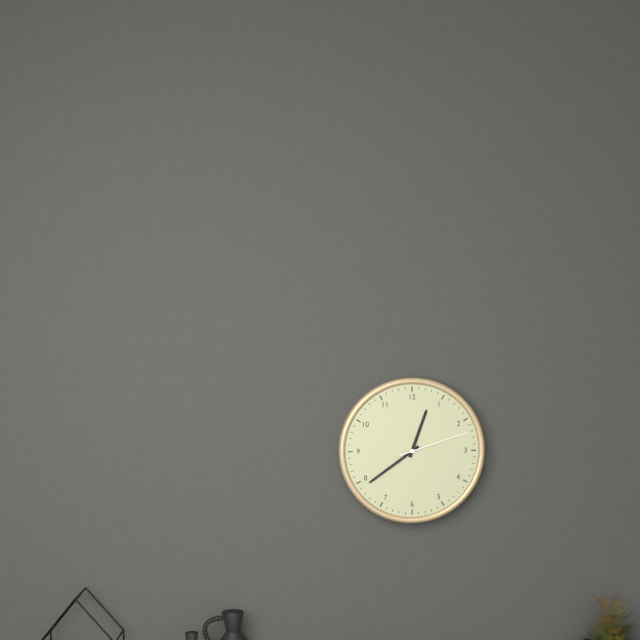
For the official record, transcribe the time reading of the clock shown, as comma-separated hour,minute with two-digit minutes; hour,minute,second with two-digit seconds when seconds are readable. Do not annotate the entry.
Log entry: 12,39,12
